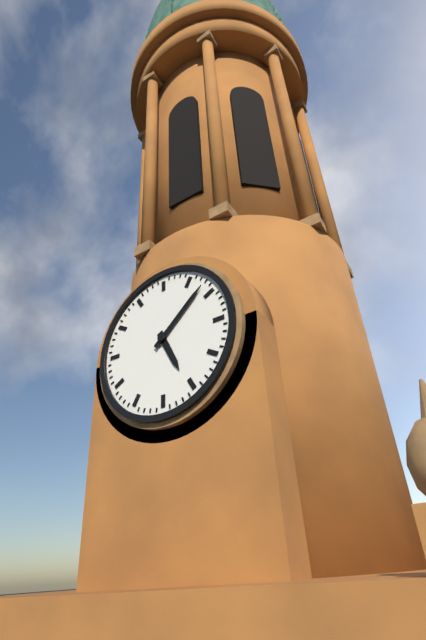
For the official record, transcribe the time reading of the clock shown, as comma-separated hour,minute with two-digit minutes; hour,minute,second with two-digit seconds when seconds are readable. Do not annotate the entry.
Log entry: 5,08
